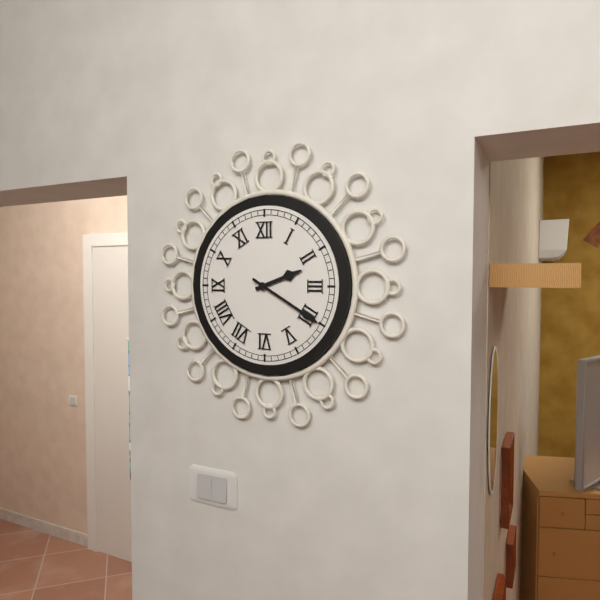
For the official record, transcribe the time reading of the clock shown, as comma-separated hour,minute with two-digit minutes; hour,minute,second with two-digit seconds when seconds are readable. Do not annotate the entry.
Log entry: 2,20
